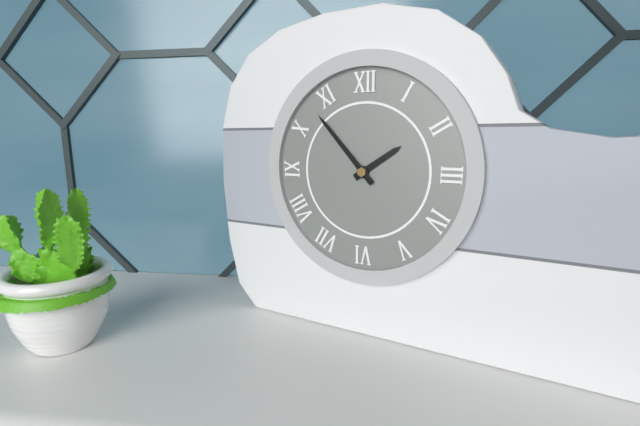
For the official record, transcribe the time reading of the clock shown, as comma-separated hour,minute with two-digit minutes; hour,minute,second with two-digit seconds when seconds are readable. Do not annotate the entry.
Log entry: 1,53
